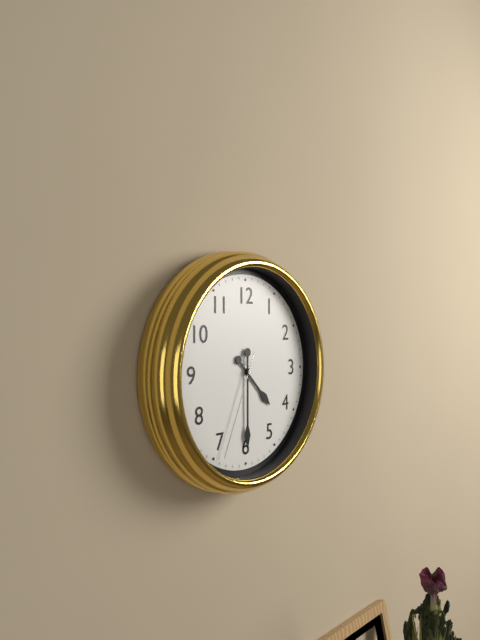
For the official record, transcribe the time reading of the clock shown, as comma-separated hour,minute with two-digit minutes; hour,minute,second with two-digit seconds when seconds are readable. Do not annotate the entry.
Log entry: 4,30,34
